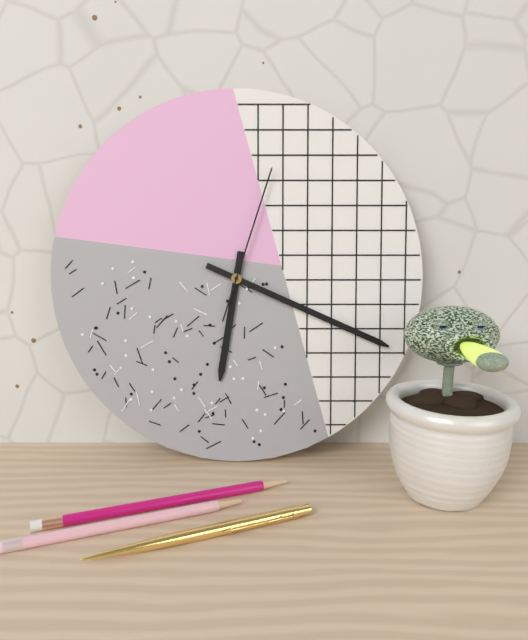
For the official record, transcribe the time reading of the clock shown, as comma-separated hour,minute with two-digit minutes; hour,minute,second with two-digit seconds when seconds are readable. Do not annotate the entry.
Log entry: 6,19,03
